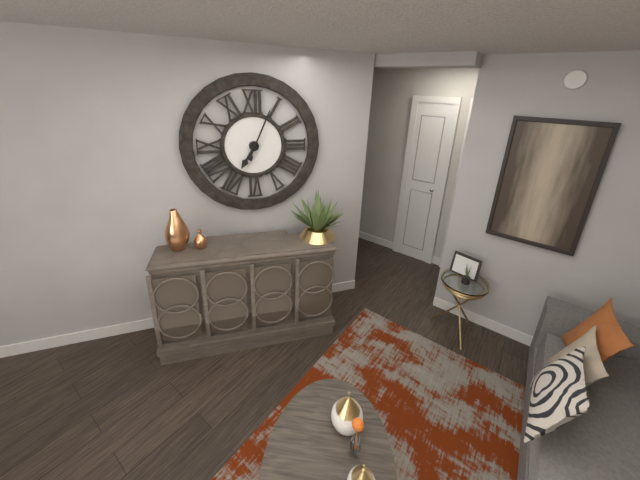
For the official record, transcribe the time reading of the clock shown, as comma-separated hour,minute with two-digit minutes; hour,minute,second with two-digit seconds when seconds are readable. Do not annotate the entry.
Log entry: 7,04
